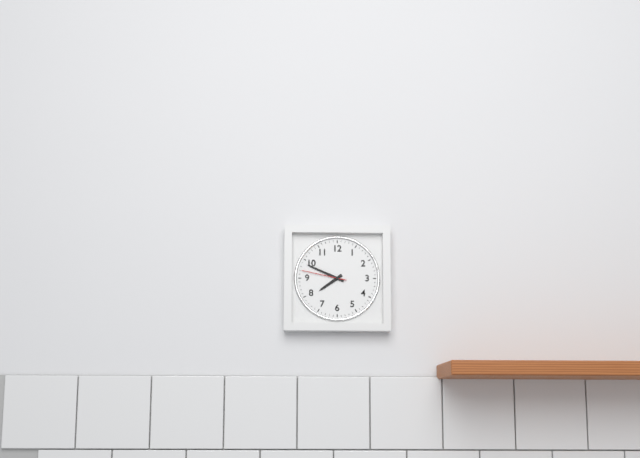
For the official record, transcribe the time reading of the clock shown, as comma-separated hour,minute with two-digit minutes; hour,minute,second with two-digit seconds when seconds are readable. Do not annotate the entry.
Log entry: 7,49
